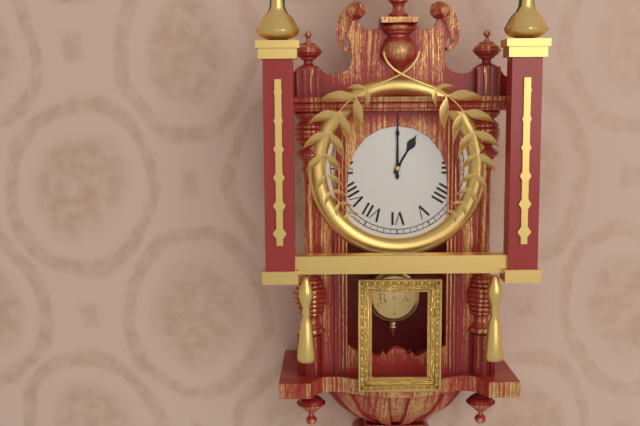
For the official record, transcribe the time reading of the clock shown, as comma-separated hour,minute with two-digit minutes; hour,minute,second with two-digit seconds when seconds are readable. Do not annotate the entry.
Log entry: 1,00
